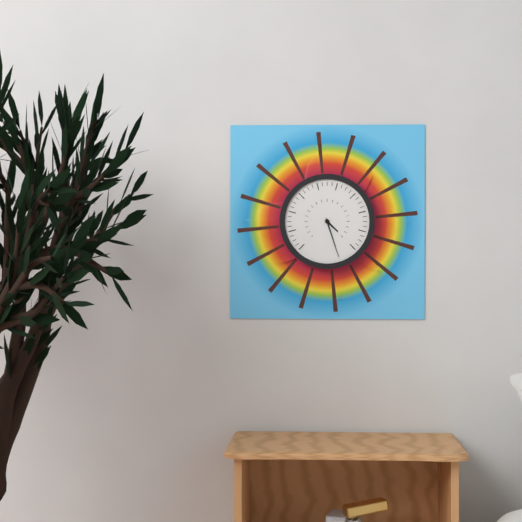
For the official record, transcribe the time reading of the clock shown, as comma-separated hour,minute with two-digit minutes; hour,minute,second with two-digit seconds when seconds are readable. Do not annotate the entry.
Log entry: 4,27
